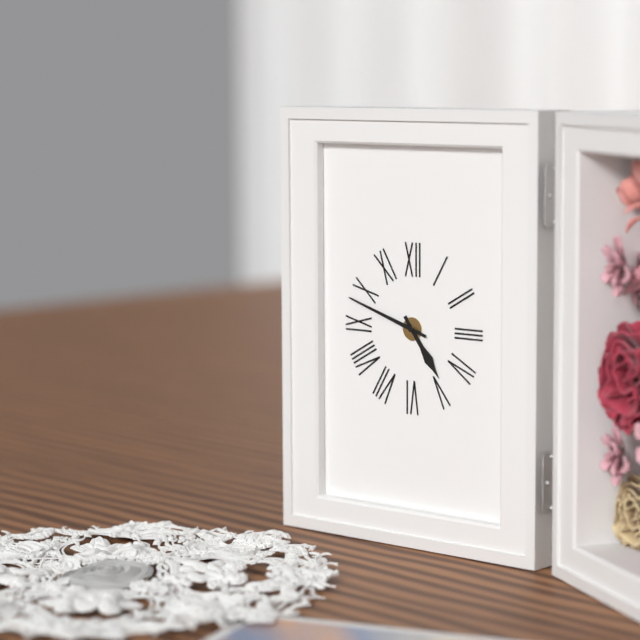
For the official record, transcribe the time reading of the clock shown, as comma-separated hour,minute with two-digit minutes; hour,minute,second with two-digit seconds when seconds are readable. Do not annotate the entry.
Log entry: 4,48
